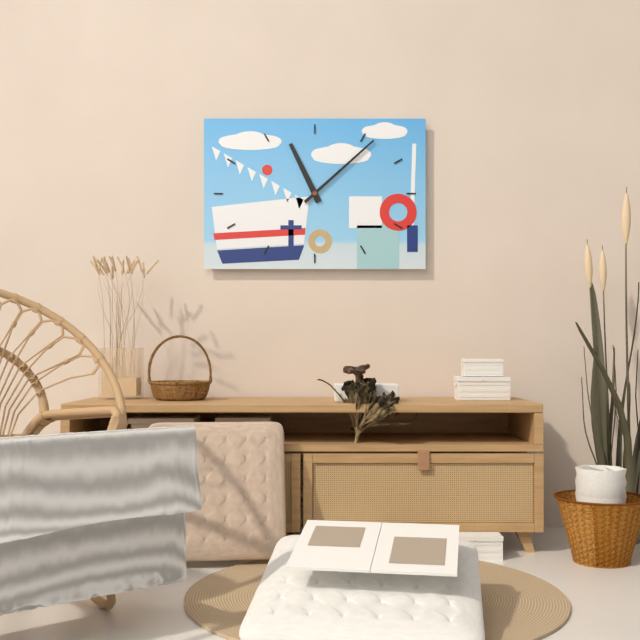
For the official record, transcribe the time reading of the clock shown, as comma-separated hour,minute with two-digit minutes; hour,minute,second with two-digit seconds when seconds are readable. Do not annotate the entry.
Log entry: 11,08
